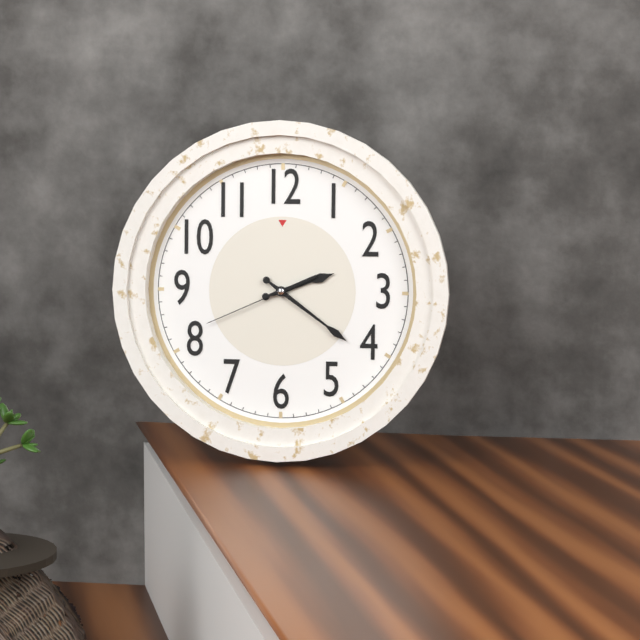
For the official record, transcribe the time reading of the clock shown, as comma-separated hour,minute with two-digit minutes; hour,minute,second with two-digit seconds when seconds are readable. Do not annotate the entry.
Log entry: 2,21,41
